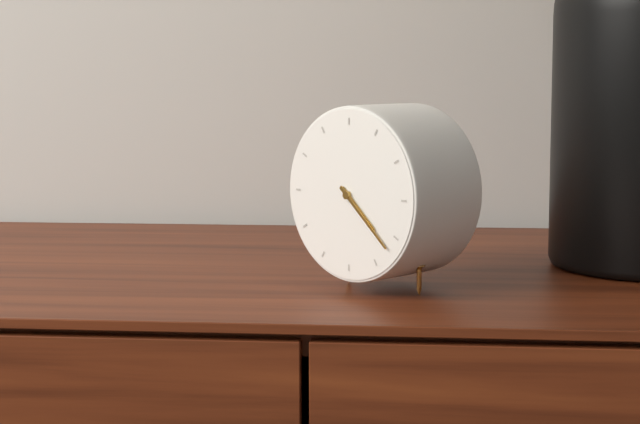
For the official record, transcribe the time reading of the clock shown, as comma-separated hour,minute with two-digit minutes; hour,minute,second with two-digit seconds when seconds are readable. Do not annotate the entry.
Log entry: 4,22
